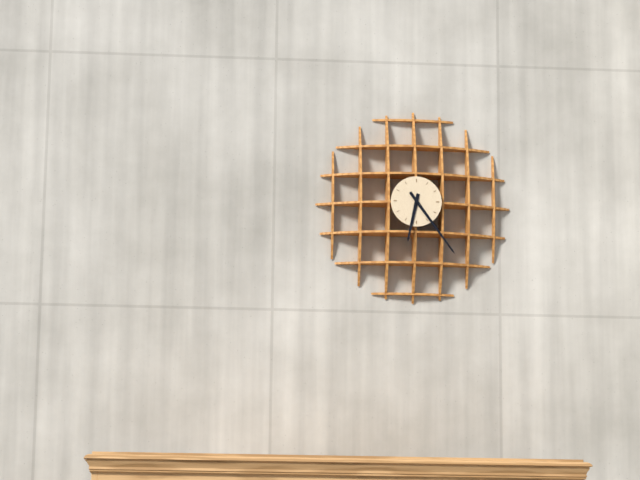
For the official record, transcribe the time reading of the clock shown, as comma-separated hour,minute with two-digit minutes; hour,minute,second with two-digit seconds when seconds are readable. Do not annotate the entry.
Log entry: 6,24
